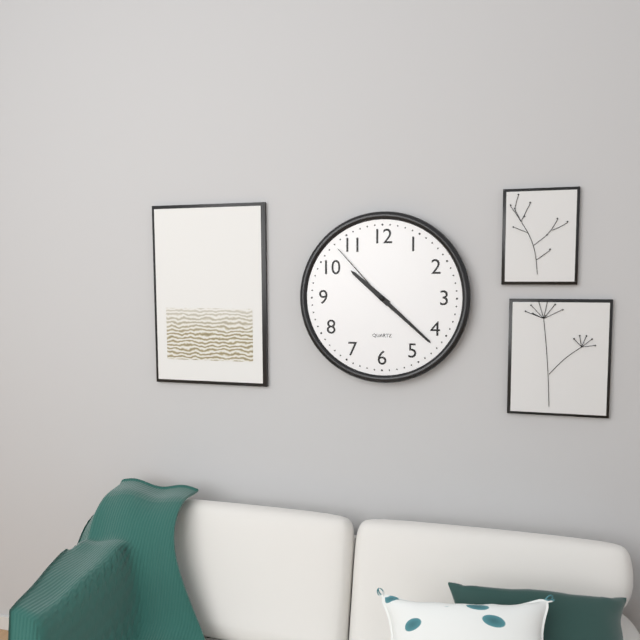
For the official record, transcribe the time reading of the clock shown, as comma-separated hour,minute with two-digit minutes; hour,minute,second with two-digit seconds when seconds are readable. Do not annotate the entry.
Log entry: 10,22,53
